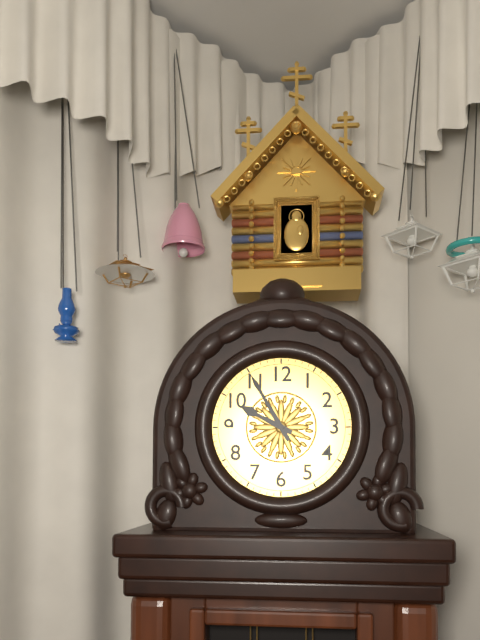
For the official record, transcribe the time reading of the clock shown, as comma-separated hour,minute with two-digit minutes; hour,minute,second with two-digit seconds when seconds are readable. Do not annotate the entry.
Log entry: 9,55
